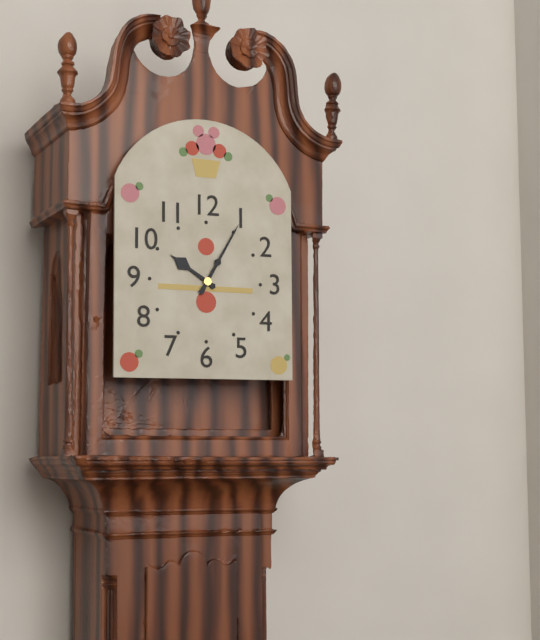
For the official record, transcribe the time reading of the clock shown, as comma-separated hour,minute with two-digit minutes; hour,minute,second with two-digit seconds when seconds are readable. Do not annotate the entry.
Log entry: 10,05
